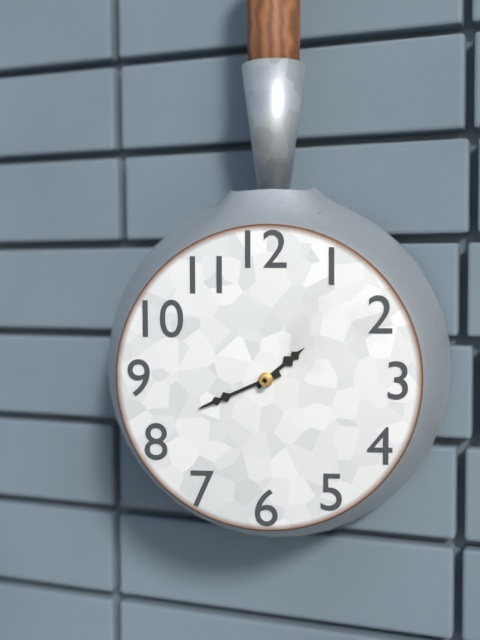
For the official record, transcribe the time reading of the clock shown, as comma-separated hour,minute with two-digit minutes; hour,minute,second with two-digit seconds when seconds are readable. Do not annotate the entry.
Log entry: 1,41
